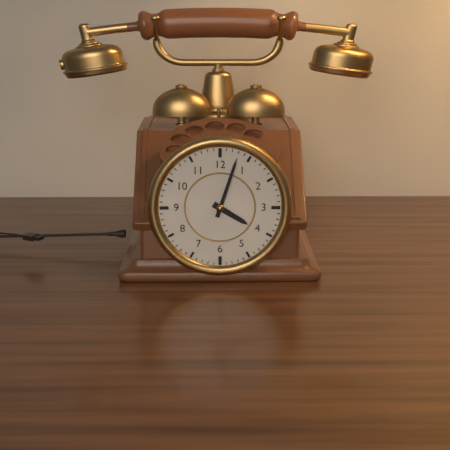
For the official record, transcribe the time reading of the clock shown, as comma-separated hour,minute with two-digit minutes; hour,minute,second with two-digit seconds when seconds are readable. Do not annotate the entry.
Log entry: 4,03
